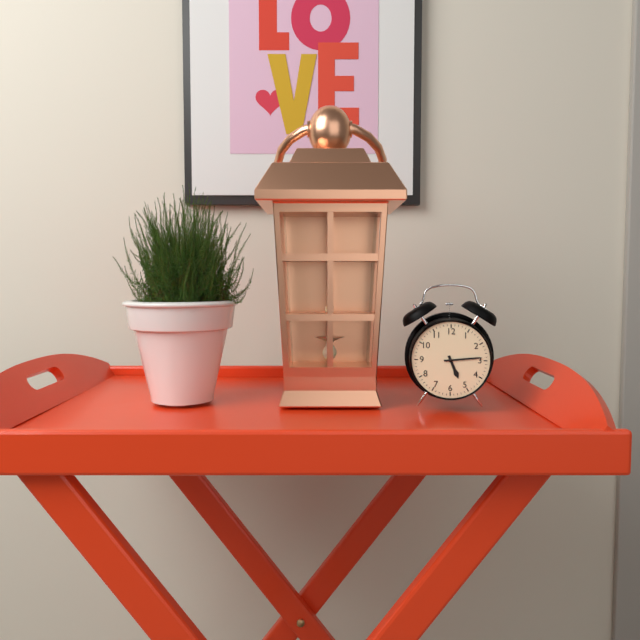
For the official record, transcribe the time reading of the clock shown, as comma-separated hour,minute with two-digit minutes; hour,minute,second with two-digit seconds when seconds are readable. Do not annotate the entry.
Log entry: 5,14
